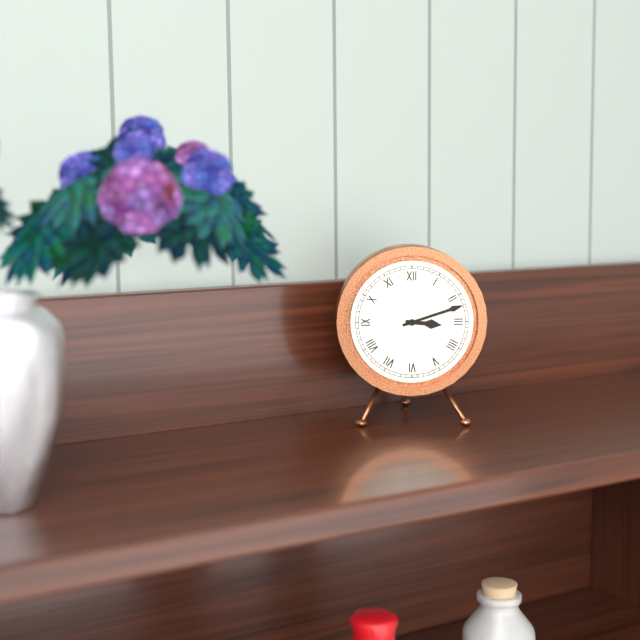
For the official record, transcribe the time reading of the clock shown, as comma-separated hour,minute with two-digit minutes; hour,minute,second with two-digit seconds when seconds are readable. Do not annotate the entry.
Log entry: 3,12
